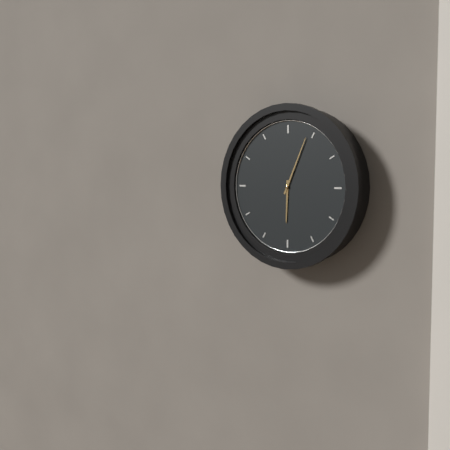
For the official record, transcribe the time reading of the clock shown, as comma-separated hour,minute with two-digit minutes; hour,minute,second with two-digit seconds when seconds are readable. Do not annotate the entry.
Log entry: 6,04
